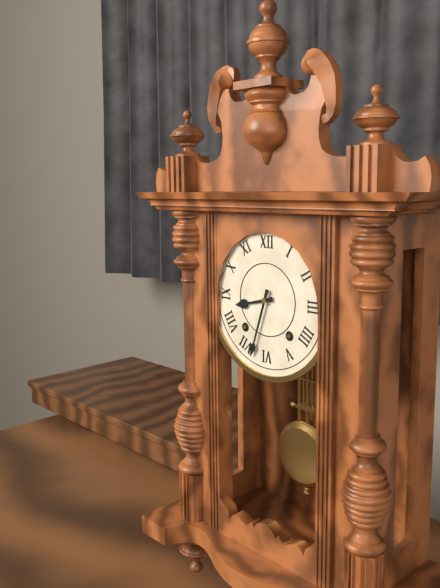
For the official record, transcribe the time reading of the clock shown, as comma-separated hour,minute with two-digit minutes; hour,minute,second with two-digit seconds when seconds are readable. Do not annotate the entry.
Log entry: 8,33
